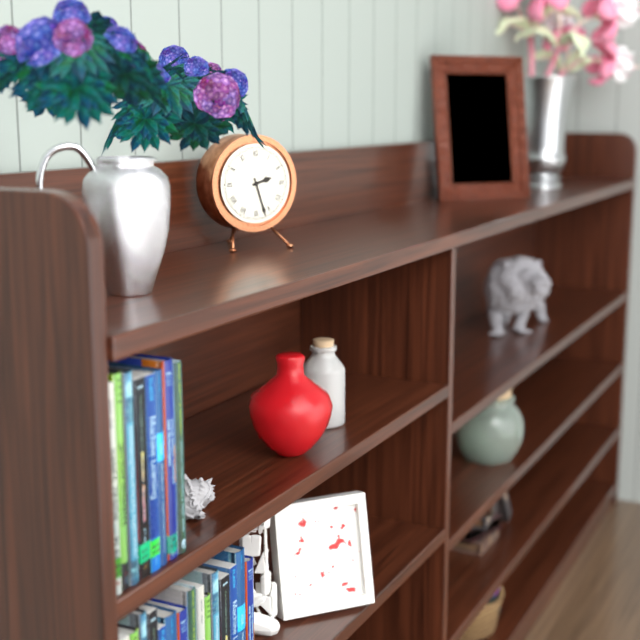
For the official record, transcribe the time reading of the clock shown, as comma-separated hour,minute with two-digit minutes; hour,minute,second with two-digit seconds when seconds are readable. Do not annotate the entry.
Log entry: 2,27
